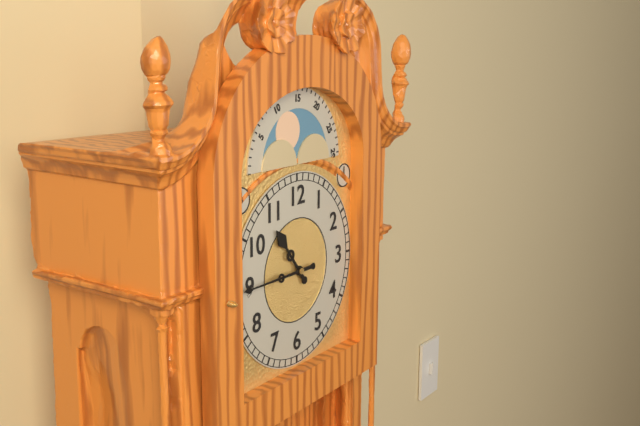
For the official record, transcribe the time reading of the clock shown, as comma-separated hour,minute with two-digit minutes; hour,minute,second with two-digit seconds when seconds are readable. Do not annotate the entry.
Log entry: 10,45
